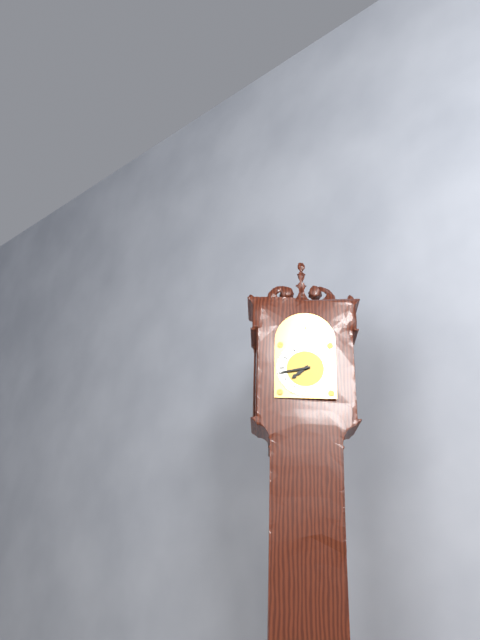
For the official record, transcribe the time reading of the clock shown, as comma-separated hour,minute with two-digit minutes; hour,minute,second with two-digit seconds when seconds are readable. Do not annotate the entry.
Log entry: 7,43
